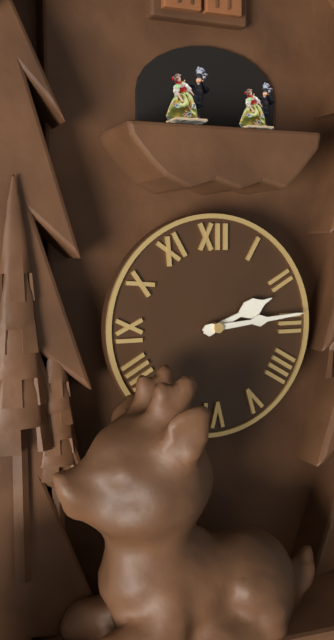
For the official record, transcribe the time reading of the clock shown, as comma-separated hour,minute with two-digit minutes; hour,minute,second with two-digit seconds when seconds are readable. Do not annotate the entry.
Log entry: 2,14
